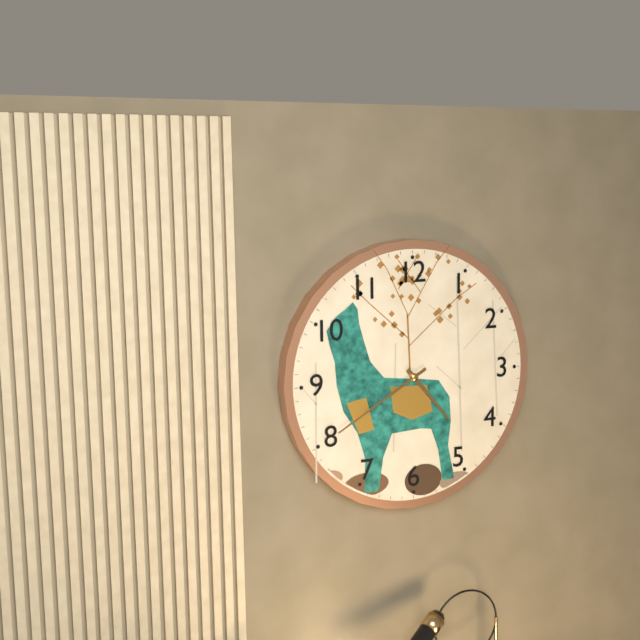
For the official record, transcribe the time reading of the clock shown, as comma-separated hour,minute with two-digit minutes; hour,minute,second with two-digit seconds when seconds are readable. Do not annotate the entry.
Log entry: 4,40
